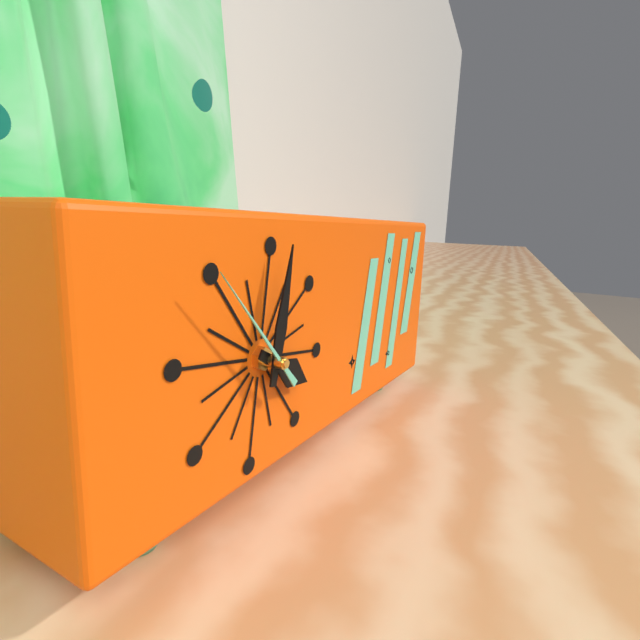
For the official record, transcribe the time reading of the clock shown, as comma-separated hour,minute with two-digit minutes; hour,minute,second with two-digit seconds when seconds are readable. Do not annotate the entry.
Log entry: 4,02,53
